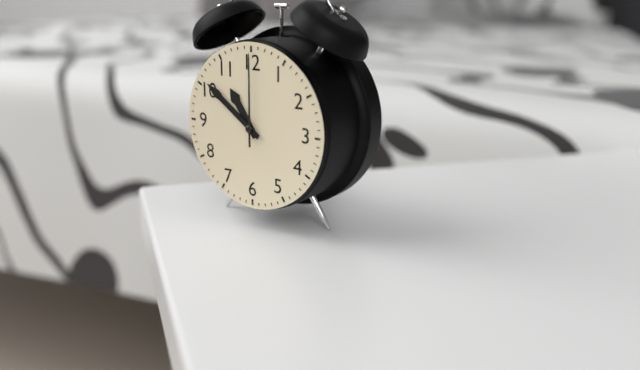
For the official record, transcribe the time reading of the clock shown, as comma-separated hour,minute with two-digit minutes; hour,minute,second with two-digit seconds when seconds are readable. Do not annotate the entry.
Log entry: 10,51,00
